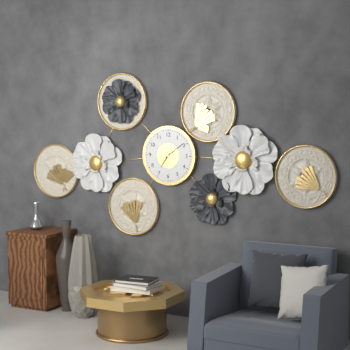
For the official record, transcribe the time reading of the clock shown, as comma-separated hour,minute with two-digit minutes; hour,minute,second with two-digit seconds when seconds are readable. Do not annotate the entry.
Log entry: 7,09
